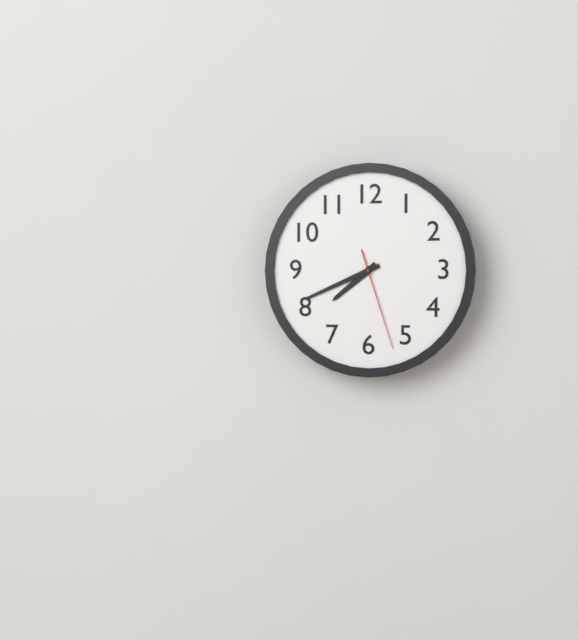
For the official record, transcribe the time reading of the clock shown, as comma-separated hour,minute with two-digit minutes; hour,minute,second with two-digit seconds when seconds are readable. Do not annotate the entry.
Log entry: 7,41,27
